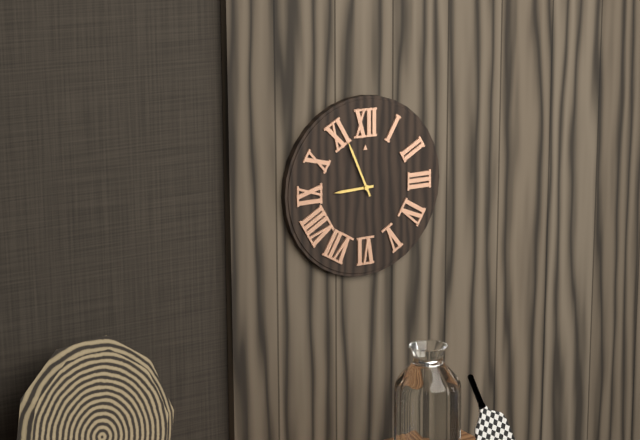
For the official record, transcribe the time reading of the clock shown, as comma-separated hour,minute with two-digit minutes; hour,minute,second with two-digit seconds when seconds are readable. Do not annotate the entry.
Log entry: 8,56
